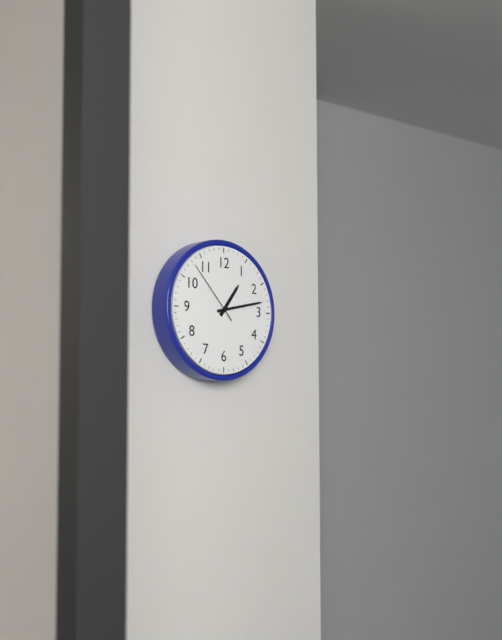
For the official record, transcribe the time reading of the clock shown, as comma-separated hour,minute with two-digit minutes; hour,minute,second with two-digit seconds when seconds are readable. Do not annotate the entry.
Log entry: 1,13,53
